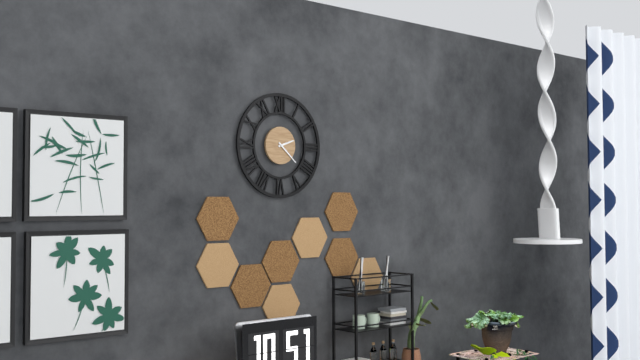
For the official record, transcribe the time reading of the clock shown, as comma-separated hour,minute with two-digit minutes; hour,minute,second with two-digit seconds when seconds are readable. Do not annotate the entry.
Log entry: 2,22
